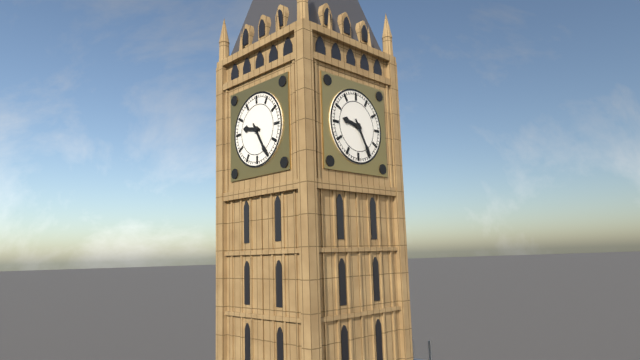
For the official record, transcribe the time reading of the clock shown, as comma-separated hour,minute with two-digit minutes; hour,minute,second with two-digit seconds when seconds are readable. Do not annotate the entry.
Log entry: 9,25
